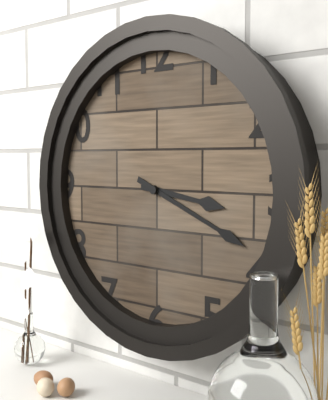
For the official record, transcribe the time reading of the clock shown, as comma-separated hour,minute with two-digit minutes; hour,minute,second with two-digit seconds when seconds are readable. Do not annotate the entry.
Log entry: 3,19
